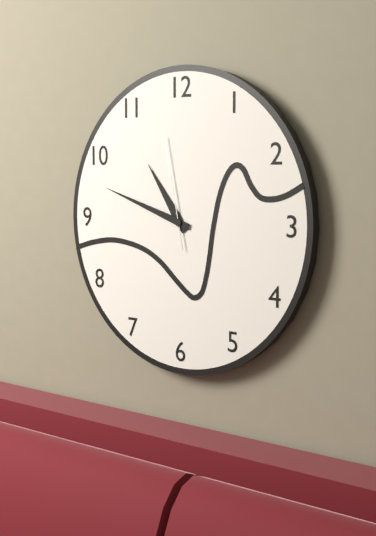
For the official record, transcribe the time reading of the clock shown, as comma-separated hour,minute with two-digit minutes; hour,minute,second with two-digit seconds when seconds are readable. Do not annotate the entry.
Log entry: 10,48,58
